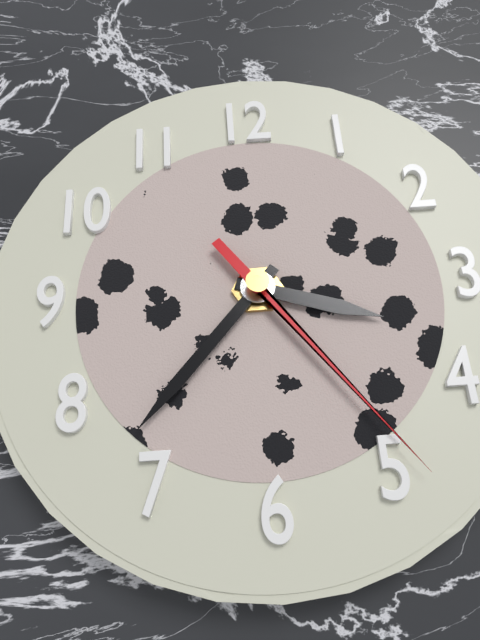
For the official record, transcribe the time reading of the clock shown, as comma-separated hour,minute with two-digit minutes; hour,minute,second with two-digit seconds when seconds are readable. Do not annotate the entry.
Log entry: 3,37,24
